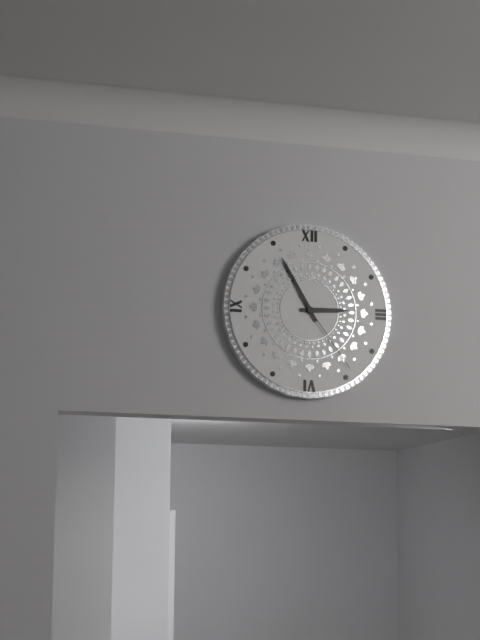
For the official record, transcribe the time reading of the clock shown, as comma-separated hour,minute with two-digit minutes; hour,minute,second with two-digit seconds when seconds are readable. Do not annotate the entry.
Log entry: 2,55,24
